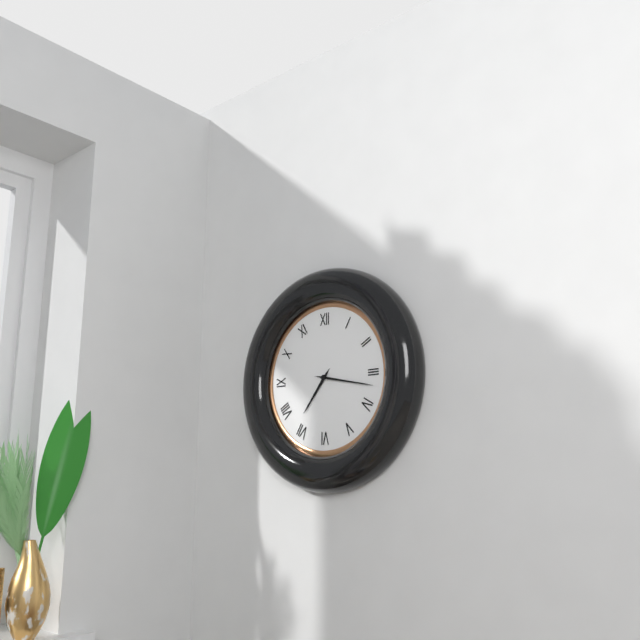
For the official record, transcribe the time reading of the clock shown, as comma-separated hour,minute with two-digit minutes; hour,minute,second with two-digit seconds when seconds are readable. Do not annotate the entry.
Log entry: 7,17
